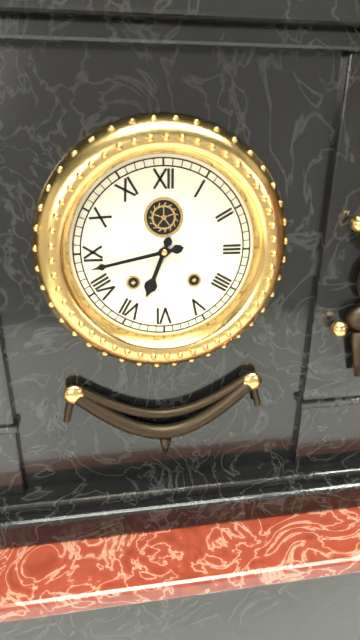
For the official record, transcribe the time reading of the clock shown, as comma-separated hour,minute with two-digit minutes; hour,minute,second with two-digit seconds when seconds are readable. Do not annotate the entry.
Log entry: 6,43
